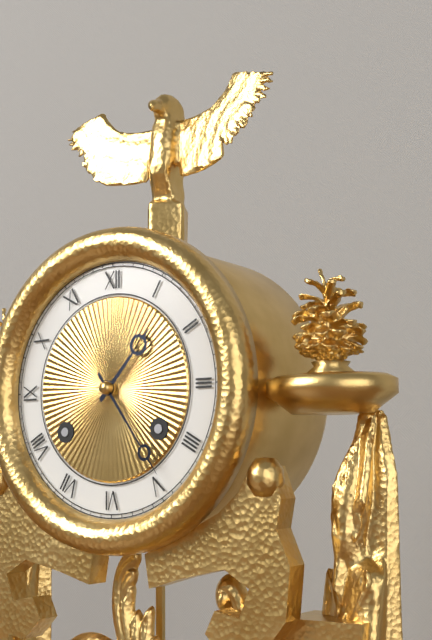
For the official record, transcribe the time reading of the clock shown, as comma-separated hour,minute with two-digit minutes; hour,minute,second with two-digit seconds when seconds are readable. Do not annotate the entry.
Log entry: 1,24
